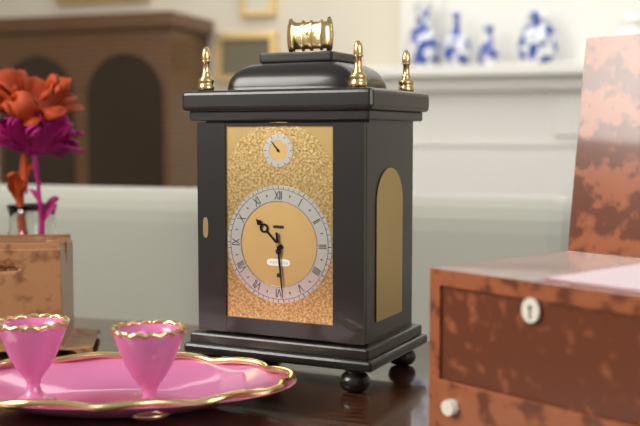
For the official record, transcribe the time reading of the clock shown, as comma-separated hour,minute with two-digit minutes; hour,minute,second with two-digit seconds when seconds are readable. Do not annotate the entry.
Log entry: 10,29
